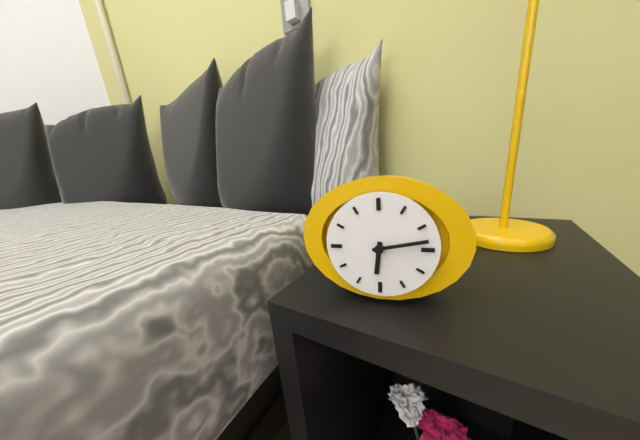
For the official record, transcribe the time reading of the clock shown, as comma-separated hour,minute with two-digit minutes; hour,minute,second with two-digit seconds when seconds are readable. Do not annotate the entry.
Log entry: 6,13
